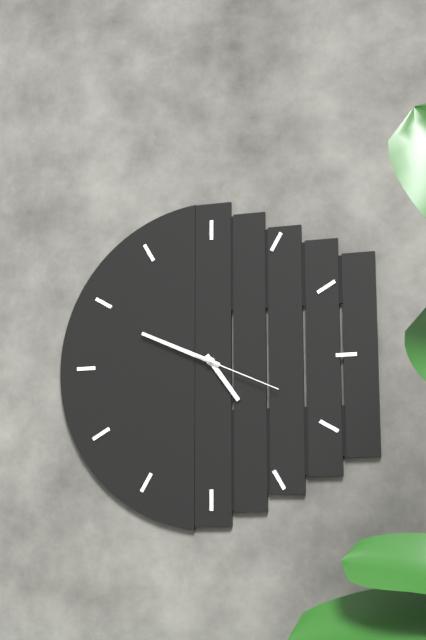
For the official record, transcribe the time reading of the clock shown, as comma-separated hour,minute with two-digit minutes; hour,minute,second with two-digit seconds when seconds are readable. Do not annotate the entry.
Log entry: 4,49,19
